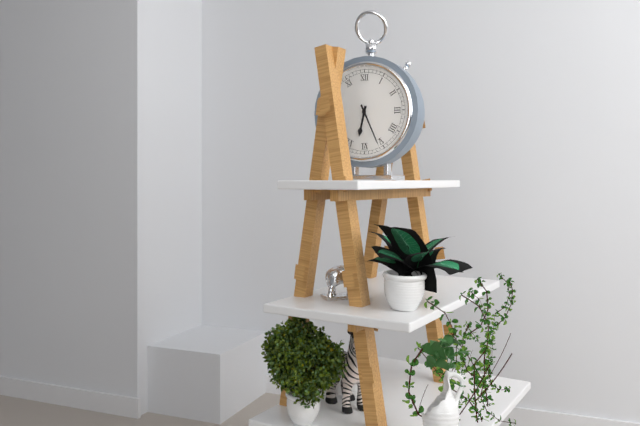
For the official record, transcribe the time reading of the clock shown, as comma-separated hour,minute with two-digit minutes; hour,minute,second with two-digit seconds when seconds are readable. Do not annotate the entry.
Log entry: 6,26
